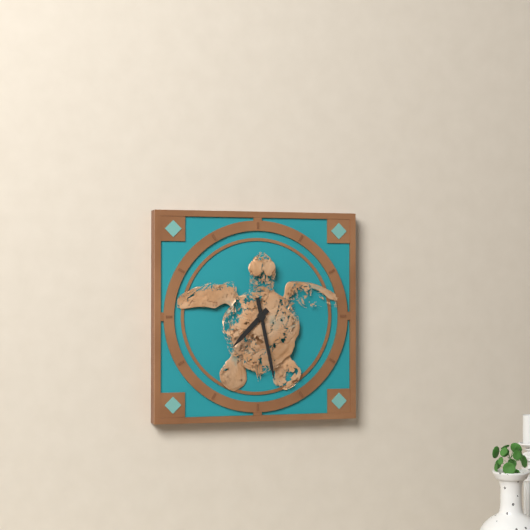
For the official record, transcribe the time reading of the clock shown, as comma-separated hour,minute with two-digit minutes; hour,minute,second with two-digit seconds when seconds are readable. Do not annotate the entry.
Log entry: 7,28
